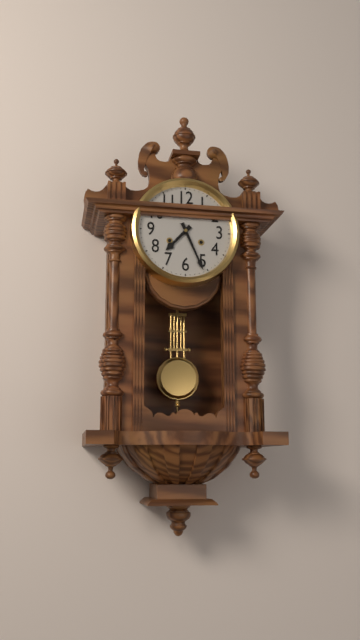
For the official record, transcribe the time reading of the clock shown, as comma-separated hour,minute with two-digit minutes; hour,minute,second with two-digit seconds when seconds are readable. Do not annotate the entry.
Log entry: 7,26
